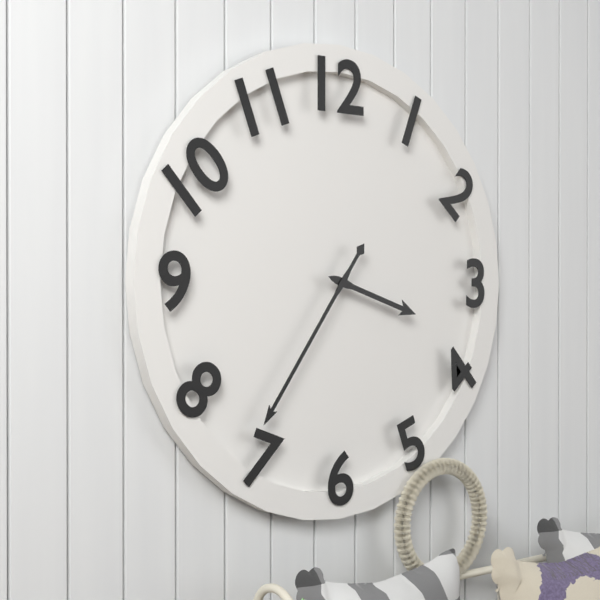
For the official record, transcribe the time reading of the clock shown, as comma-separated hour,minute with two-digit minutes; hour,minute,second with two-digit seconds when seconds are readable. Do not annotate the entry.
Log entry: 3,36
